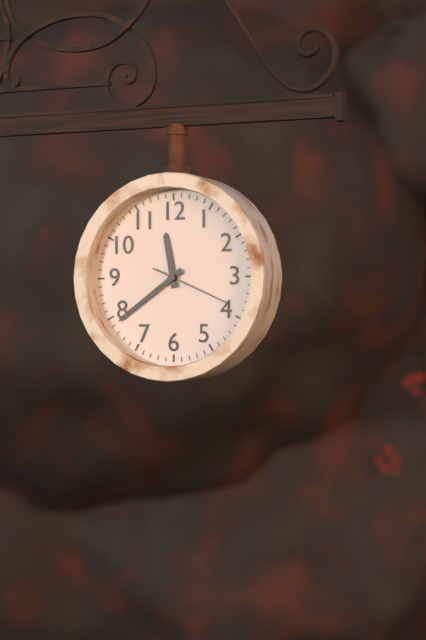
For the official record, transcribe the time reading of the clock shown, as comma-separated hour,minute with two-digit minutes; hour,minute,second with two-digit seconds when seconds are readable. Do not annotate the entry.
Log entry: 11,39,19
